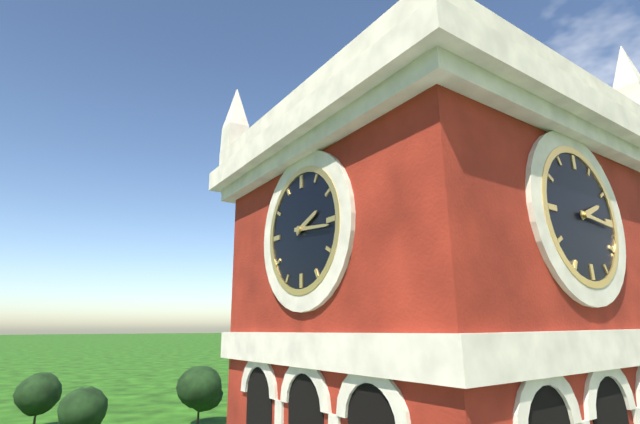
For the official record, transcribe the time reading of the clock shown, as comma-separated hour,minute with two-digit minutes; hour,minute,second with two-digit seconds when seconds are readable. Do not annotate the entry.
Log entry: 2,16
